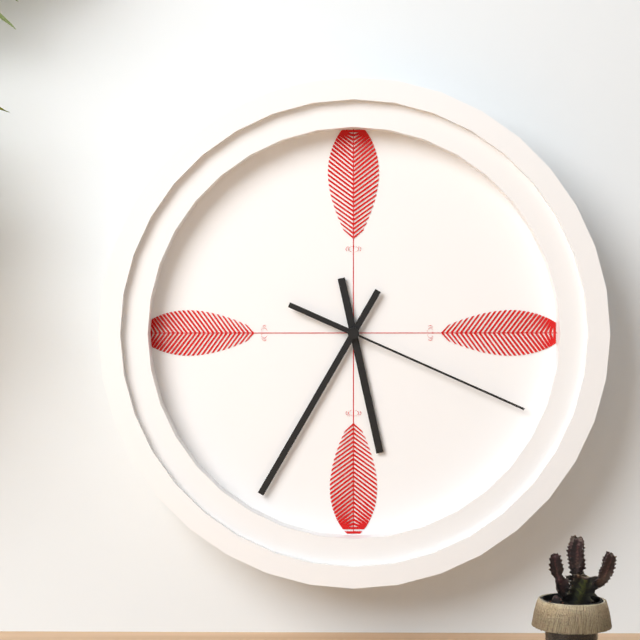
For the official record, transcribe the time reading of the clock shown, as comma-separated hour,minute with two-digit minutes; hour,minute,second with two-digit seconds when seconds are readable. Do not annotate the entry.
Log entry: 5,35,19
